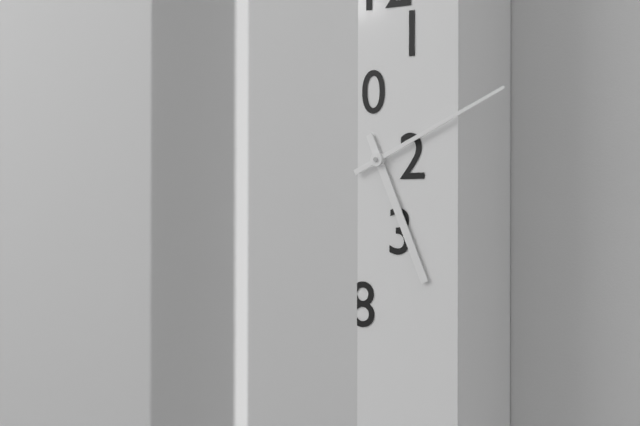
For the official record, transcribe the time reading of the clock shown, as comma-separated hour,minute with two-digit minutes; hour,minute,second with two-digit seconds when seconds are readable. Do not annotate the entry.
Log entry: 5,11
